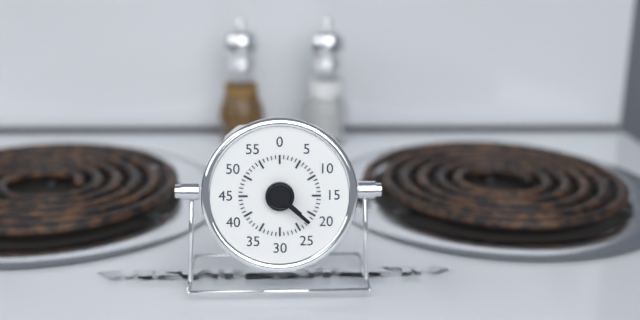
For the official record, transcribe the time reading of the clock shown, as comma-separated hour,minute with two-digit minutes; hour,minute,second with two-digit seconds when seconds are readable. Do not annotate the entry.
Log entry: 4,22
